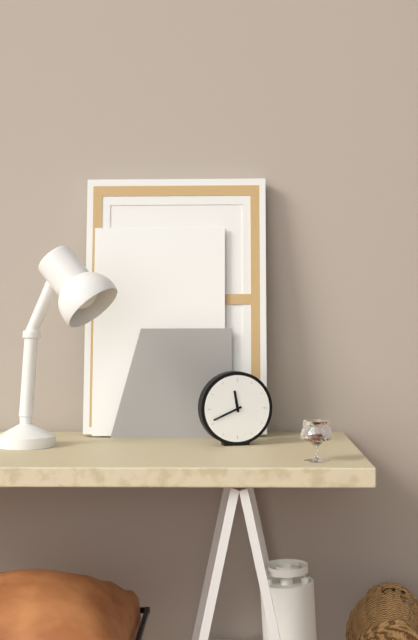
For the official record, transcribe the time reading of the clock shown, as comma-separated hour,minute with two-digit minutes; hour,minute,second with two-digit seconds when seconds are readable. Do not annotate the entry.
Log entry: 11,41
